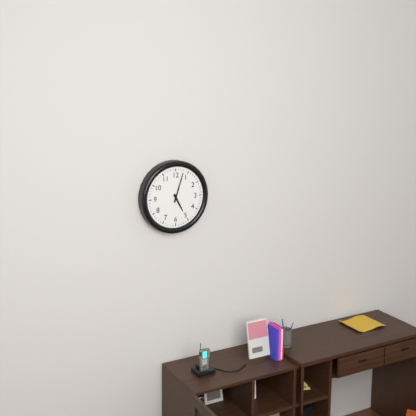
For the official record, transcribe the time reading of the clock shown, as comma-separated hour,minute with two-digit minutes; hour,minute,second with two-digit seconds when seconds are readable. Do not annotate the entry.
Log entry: 5,03
